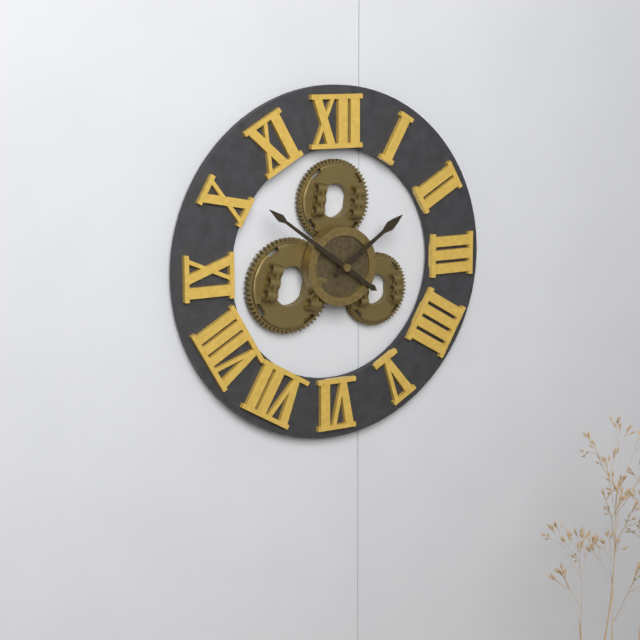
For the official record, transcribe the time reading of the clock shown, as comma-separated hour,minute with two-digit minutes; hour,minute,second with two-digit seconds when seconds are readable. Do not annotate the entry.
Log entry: 1,51
